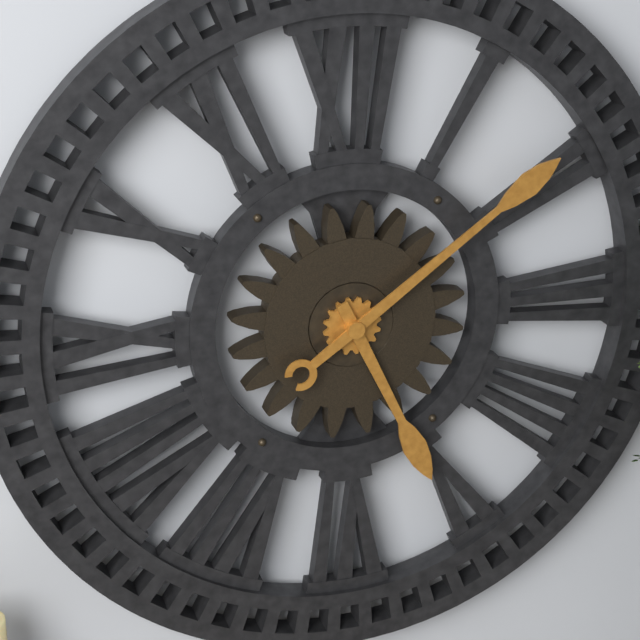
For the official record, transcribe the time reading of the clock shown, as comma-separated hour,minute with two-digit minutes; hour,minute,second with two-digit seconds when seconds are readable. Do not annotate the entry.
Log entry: 5,09
